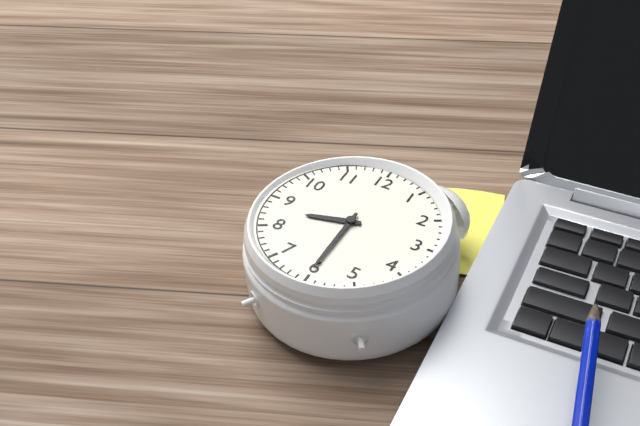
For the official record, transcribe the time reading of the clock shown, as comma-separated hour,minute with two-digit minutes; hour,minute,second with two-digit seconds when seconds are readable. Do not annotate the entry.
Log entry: 8,30
